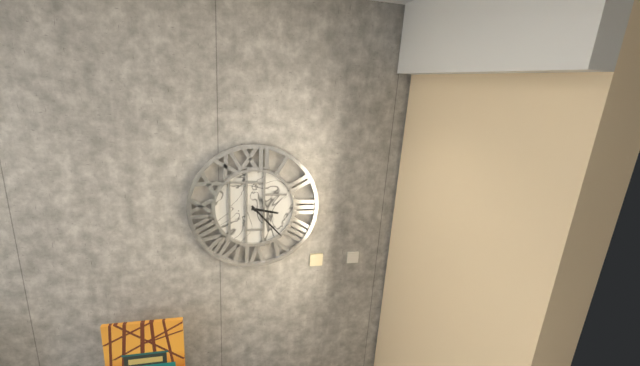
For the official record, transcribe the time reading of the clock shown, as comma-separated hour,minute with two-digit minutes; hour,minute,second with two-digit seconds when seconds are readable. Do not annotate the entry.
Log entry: 3,23
